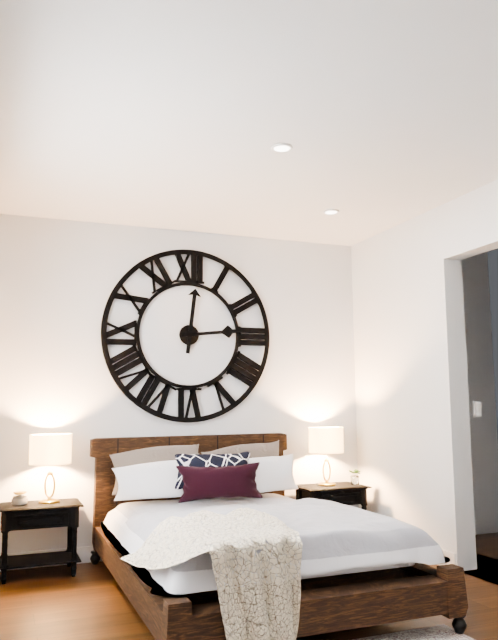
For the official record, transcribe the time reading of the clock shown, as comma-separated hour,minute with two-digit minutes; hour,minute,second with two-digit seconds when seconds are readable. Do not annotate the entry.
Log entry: 12,14
